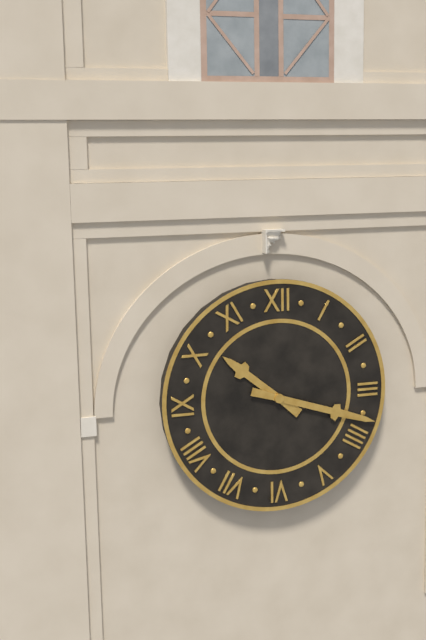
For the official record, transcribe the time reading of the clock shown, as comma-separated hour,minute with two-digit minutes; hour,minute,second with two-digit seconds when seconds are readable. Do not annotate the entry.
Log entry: 10,18
